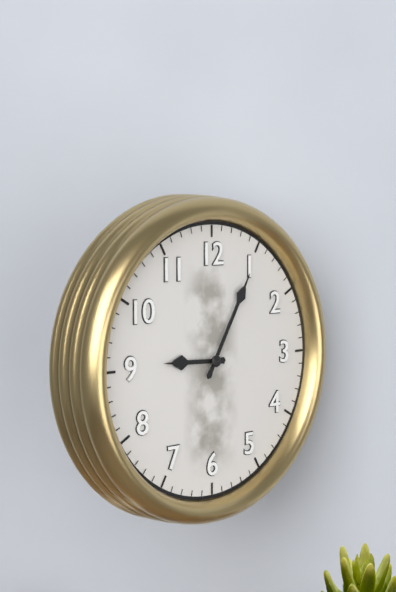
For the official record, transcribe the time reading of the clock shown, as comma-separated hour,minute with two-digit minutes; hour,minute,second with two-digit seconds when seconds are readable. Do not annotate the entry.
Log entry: 9,05
